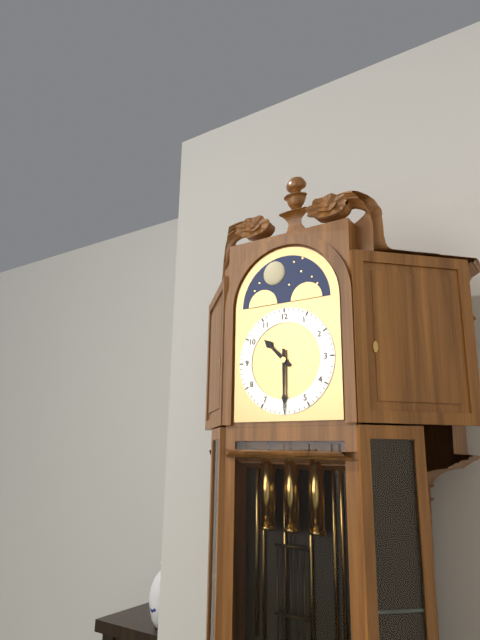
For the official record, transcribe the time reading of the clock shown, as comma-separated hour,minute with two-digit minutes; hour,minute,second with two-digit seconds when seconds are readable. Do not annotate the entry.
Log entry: 10,30
